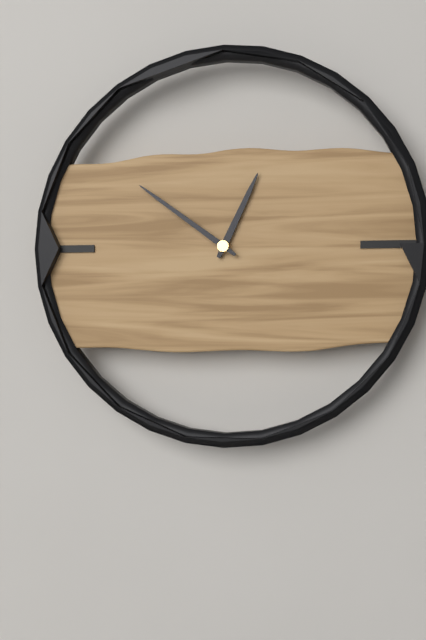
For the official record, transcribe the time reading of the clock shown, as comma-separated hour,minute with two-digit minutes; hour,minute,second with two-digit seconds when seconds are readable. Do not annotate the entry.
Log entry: 12,51
